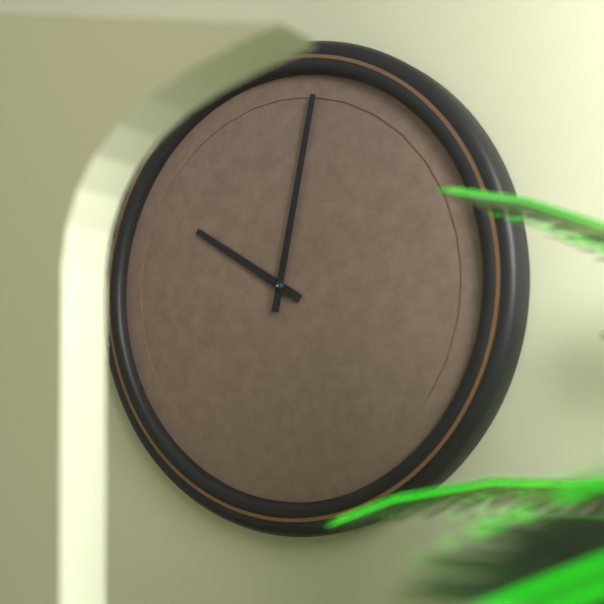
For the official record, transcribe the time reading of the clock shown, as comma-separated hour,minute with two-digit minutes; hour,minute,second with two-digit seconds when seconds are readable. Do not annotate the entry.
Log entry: 10,02
